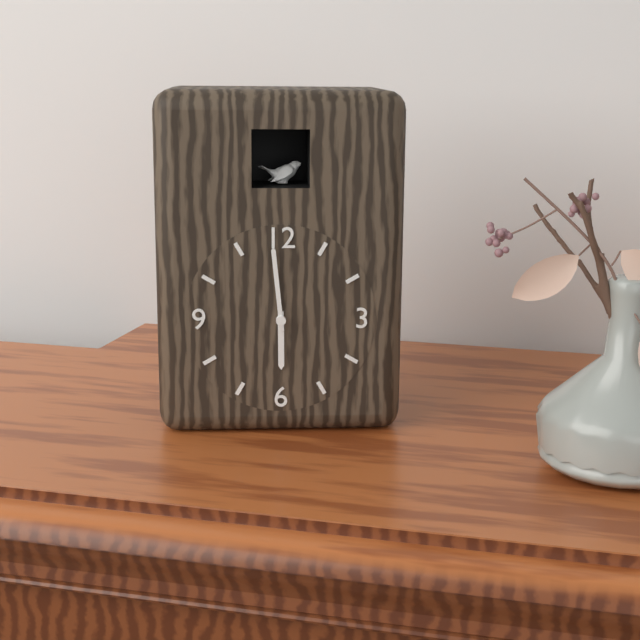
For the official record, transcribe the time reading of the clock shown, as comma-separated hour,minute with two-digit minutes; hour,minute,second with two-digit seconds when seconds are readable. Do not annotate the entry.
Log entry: 5,59
